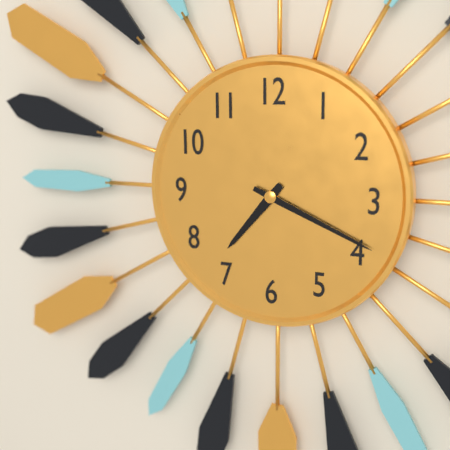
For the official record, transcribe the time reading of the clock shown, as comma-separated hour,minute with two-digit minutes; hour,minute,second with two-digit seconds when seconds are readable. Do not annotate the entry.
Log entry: 7,19
